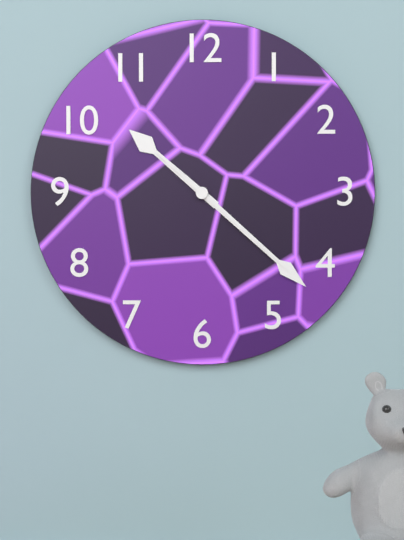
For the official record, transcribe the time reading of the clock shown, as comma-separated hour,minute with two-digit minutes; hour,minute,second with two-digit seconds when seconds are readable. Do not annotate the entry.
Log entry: 10,22,22
